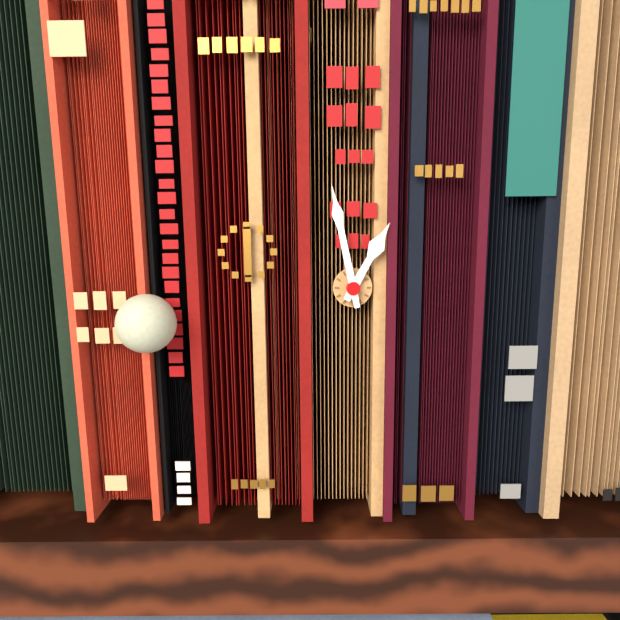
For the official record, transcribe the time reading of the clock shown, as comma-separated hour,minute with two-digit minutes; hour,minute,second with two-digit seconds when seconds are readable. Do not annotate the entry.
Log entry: 12,58
